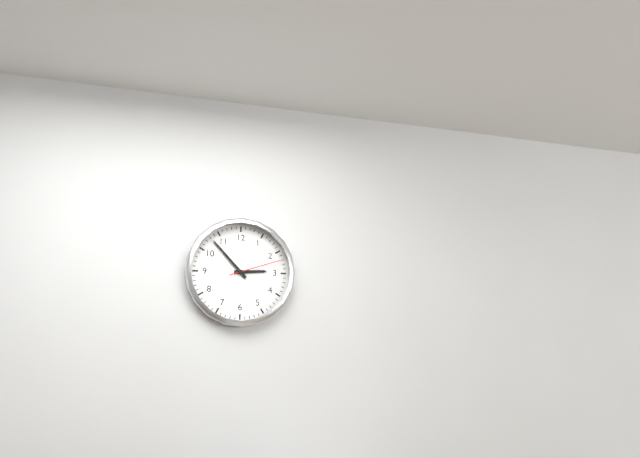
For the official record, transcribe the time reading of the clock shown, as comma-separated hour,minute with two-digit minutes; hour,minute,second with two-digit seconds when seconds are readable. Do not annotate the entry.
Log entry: 2,53,12
